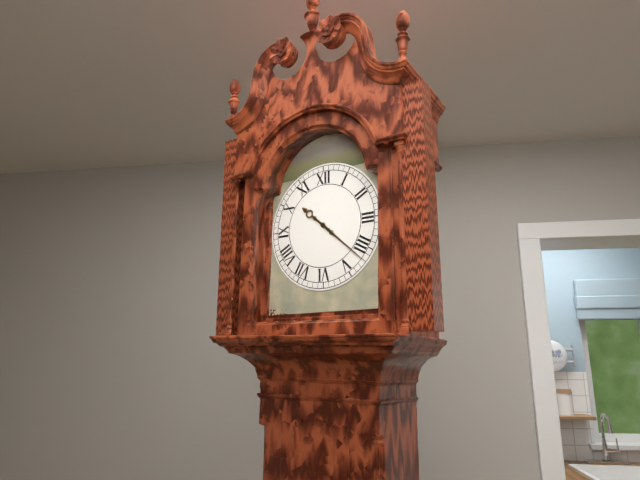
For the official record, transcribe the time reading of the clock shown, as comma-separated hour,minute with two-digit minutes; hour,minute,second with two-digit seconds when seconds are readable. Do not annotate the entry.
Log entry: 10,22
